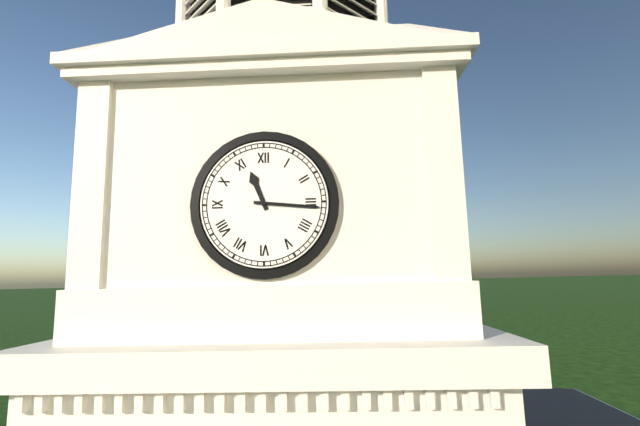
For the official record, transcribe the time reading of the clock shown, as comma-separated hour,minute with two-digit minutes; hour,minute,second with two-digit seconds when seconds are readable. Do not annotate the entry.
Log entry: 11,16
